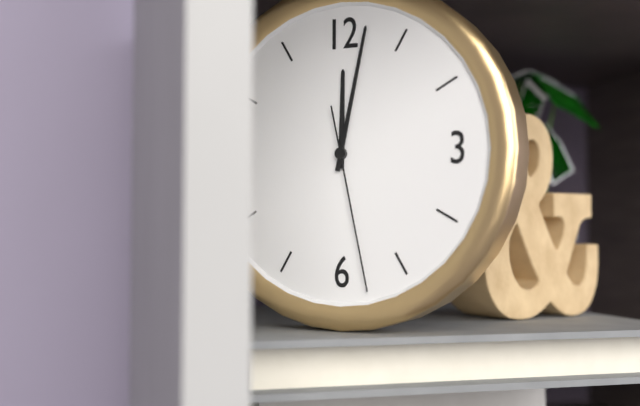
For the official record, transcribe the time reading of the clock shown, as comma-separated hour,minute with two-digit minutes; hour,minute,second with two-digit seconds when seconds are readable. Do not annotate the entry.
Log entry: 12,02,28
